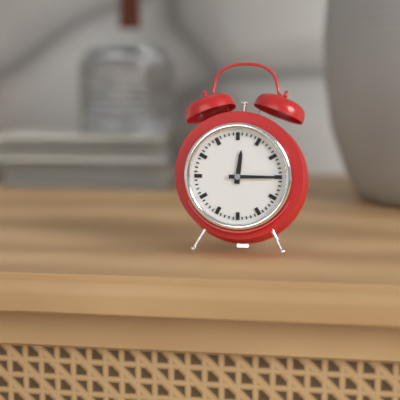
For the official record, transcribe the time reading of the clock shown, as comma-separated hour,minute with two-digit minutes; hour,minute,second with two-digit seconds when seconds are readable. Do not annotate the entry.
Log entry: 12,15
